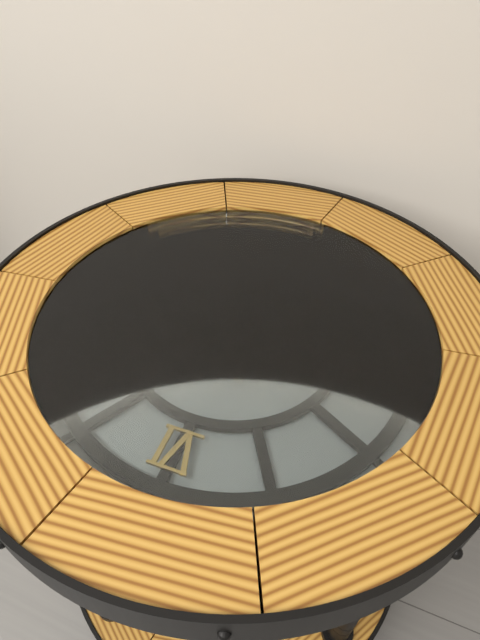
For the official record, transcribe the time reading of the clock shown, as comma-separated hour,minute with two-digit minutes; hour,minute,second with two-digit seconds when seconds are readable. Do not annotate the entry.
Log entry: 2,56
